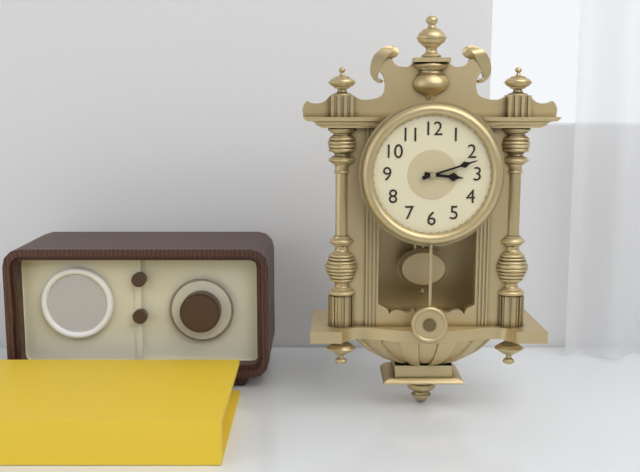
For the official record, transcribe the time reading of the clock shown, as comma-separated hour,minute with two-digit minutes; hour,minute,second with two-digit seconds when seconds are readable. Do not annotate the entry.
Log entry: 3,12
